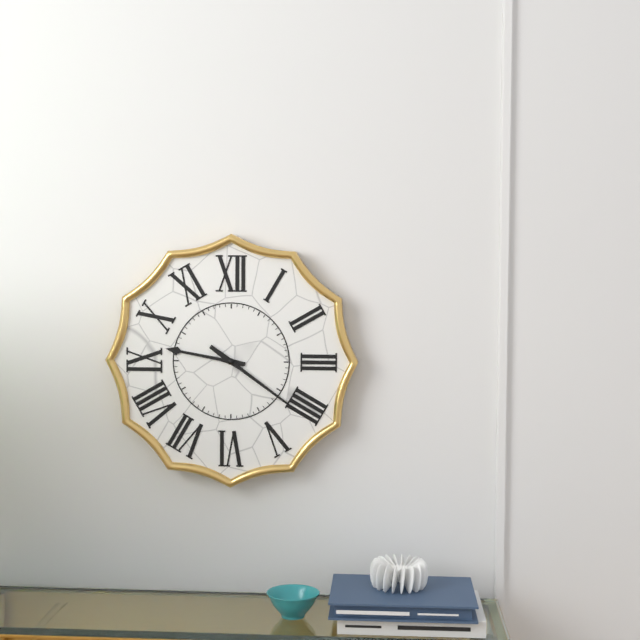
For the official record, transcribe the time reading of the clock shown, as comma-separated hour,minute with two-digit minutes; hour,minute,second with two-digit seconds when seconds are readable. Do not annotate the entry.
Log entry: 9,21
